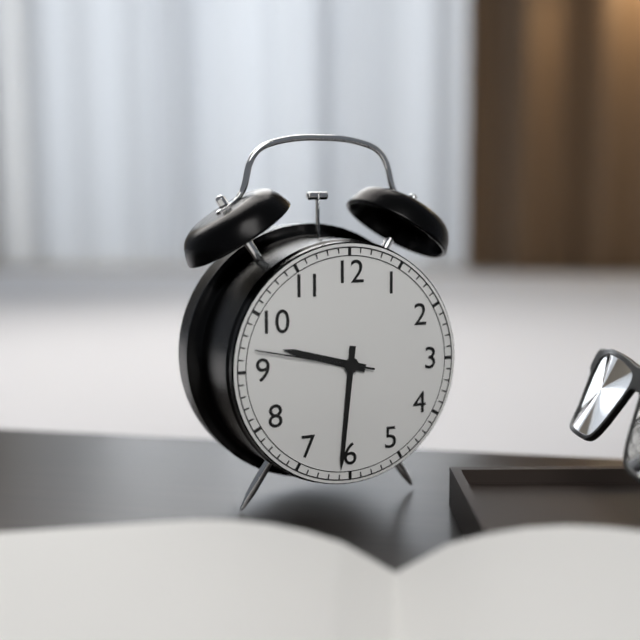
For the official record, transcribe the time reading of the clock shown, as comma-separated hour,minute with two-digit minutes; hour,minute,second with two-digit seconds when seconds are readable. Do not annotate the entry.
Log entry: 9,31,47
